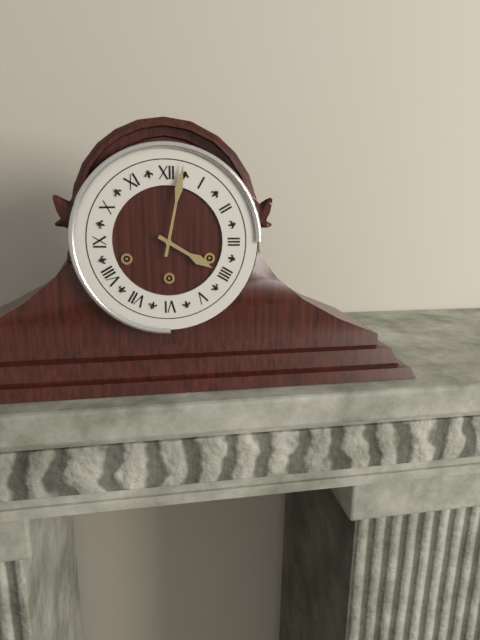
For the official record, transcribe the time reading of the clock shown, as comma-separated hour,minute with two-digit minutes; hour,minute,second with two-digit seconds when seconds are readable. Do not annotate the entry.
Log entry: 4,02
